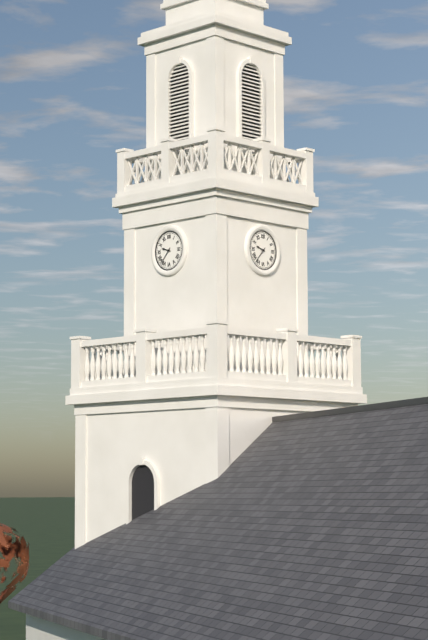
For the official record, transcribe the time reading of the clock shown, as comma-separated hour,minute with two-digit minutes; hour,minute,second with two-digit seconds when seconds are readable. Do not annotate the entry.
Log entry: 9,37
